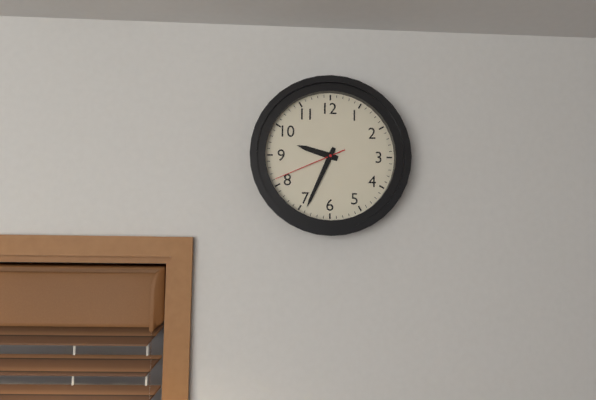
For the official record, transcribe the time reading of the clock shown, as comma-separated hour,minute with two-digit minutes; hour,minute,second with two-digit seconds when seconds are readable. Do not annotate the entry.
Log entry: 9,34,41
